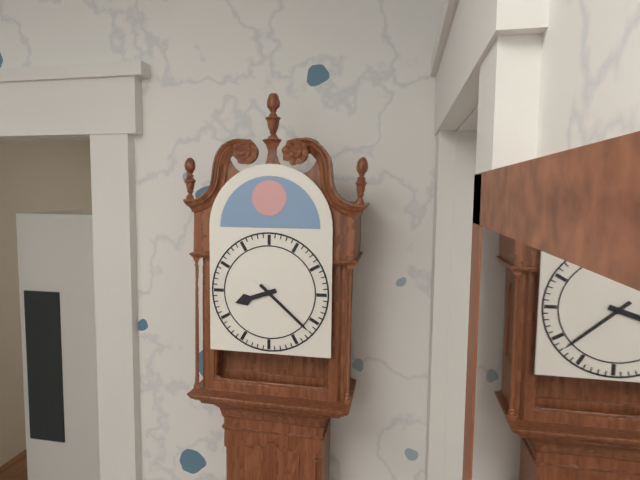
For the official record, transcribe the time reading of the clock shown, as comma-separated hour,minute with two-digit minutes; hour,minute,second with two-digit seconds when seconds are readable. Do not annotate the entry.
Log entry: 8,22
